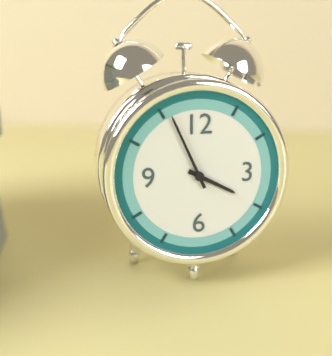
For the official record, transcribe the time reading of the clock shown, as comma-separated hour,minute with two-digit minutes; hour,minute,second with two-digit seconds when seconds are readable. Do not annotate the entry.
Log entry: 3,56
